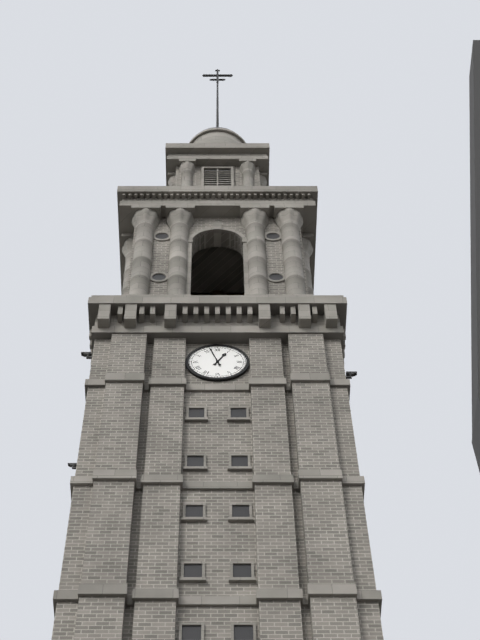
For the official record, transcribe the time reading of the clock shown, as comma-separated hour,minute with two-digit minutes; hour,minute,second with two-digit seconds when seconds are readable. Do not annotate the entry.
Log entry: 12,57
